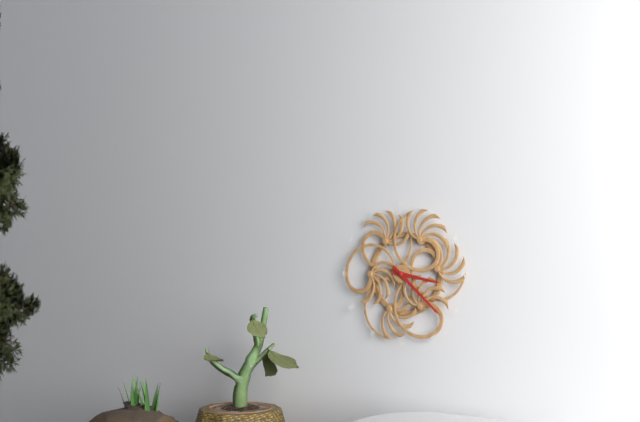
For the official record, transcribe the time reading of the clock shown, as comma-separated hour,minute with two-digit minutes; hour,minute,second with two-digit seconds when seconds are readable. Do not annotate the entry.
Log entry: 3,22
